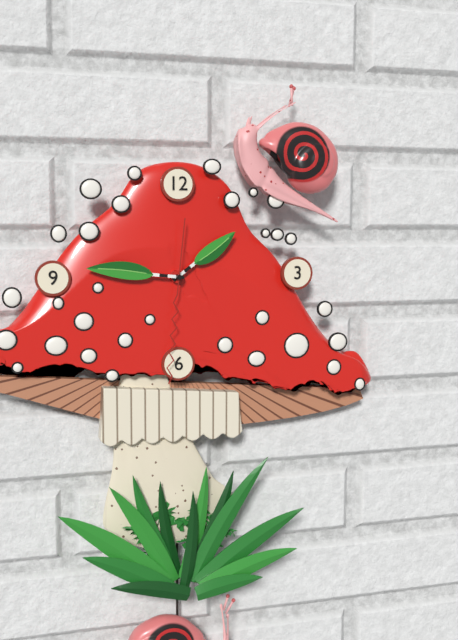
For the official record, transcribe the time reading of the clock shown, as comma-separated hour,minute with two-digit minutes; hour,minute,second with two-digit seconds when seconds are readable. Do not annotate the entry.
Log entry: 1,46,31
